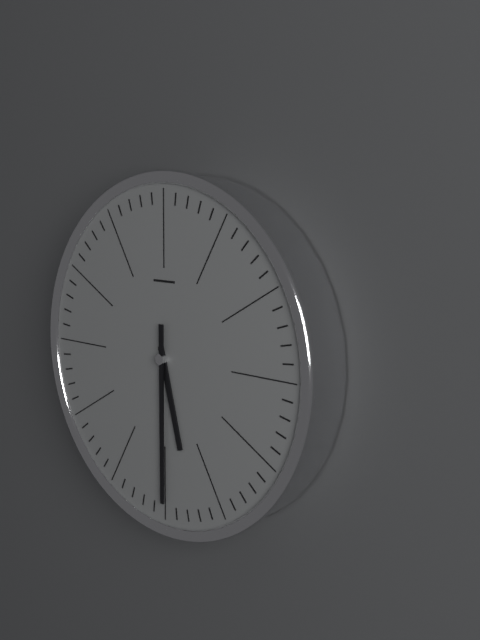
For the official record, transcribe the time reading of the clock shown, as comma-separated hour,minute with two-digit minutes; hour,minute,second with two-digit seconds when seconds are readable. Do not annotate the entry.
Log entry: 5,30
